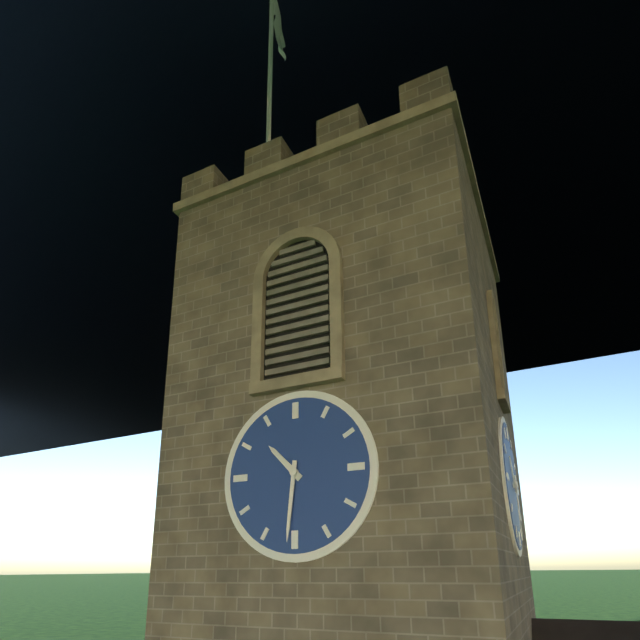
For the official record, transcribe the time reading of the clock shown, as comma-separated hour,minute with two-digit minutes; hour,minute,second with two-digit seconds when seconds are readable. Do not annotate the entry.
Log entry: 10,31
